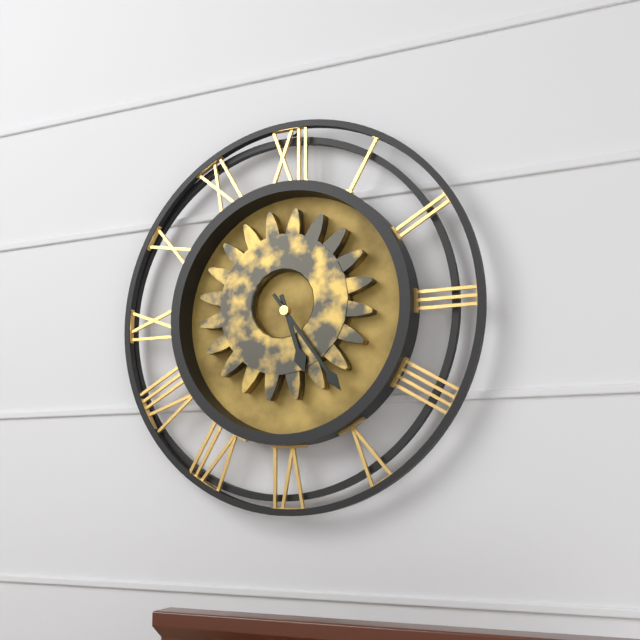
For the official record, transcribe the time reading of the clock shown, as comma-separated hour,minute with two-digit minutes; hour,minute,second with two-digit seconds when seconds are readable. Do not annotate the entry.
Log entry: 5,24
